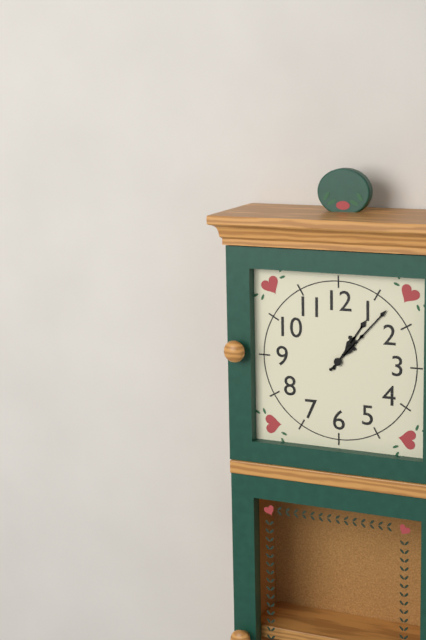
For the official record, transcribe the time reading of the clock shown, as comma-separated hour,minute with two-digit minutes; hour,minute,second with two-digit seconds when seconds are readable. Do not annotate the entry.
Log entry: 1,07
